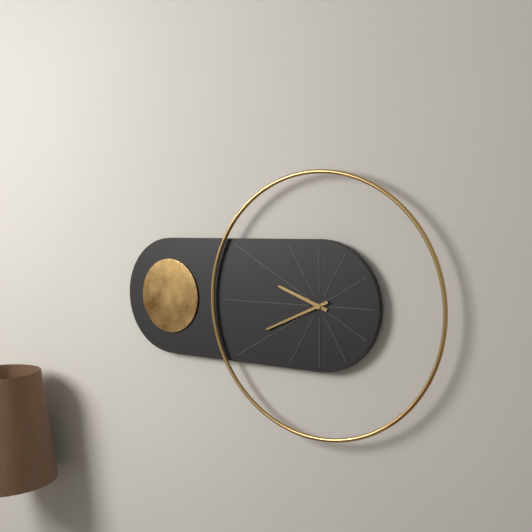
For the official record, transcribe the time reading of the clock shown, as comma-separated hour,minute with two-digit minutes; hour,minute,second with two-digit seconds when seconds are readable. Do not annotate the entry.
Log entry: 9,41
